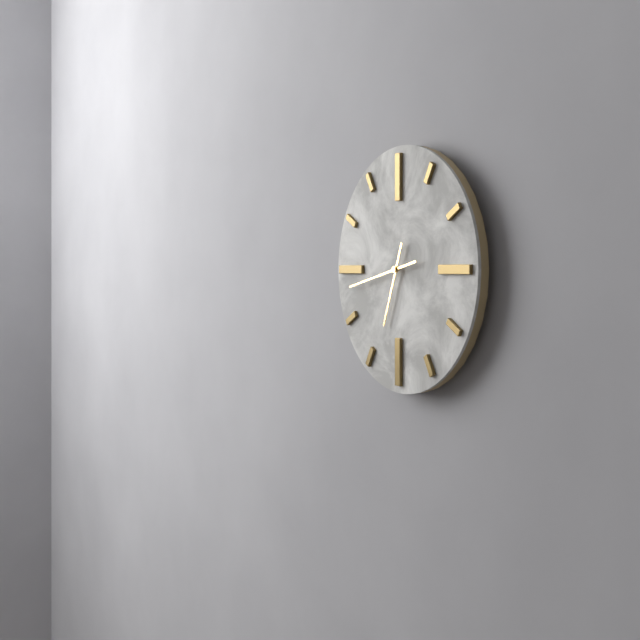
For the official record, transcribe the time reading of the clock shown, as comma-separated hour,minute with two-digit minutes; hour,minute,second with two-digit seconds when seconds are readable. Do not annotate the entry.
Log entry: 6,43
